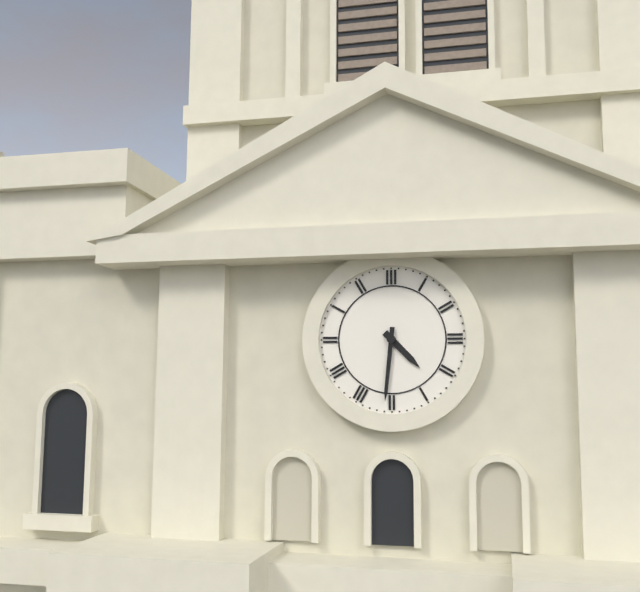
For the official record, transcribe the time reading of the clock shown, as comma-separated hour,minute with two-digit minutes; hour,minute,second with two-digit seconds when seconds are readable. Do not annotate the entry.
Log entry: 4,31
